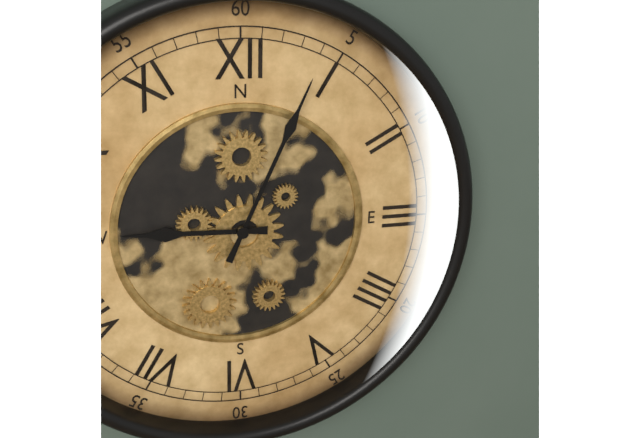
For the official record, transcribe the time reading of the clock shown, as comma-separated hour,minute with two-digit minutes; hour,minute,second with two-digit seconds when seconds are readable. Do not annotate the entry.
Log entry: 9,04
